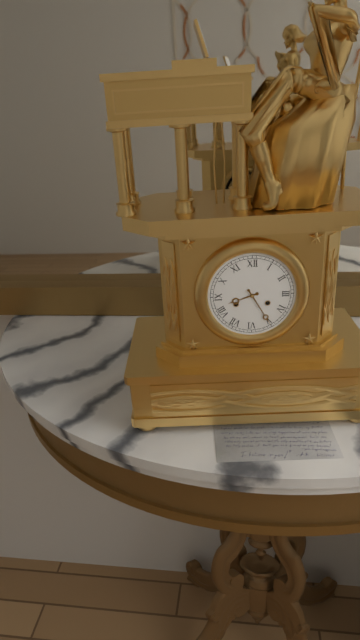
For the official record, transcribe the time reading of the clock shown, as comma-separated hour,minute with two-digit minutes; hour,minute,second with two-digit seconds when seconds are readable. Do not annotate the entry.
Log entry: 8,25
